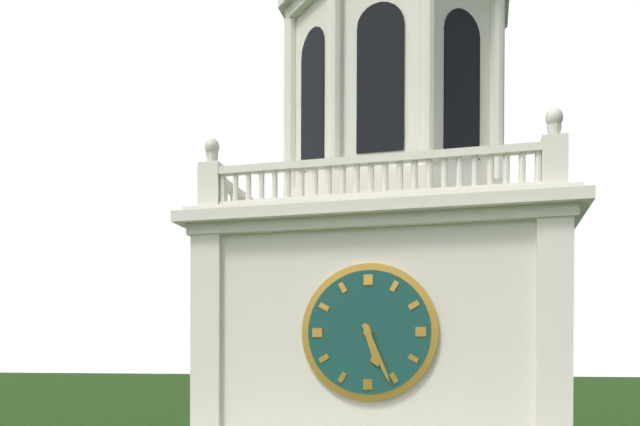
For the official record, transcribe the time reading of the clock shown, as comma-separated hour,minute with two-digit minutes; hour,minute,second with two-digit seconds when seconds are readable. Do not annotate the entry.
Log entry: 5,26
